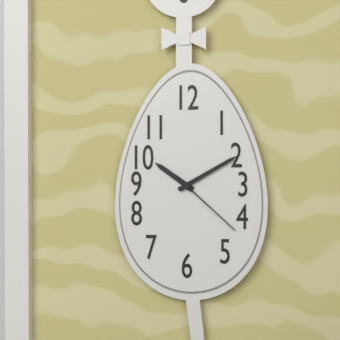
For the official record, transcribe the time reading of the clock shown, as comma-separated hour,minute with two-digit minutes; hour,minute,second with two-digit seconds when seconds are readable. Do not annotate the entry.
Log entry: 10,10,22
